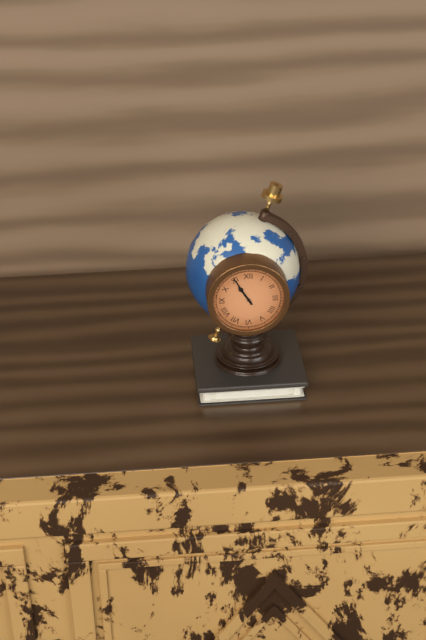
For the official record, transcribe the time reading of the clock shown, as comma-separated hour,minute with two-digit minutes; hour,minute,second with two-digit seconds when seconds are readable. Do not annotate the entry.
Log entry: 10,55
